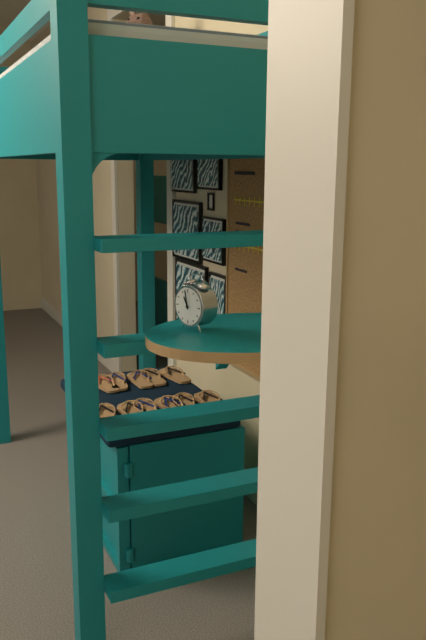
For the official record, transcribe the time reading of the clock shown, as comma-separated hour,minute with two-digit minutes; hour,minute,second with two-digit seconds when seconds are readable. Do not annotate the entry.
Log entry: 10,58
